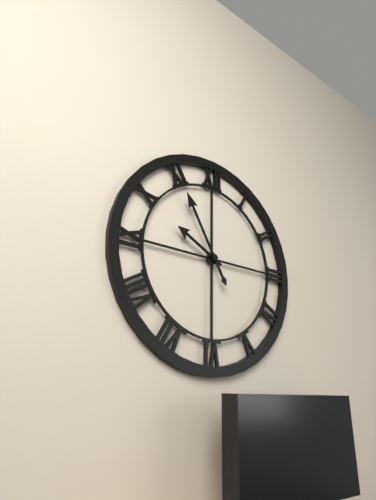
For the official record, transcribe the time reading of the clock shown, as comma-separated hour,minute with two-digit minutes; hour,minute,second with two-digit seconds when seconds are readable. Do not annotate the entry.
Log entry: 9,55
